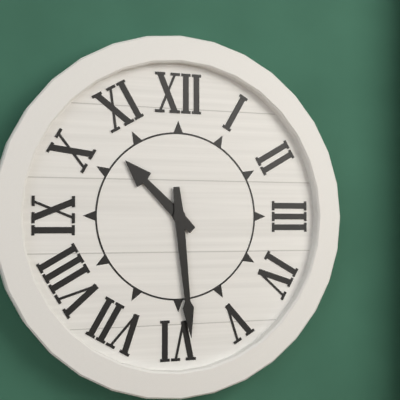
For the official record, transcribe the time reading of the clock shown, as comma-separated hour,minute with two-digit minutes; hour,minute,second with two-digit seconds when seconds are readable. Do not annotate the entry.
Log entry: 10,29
